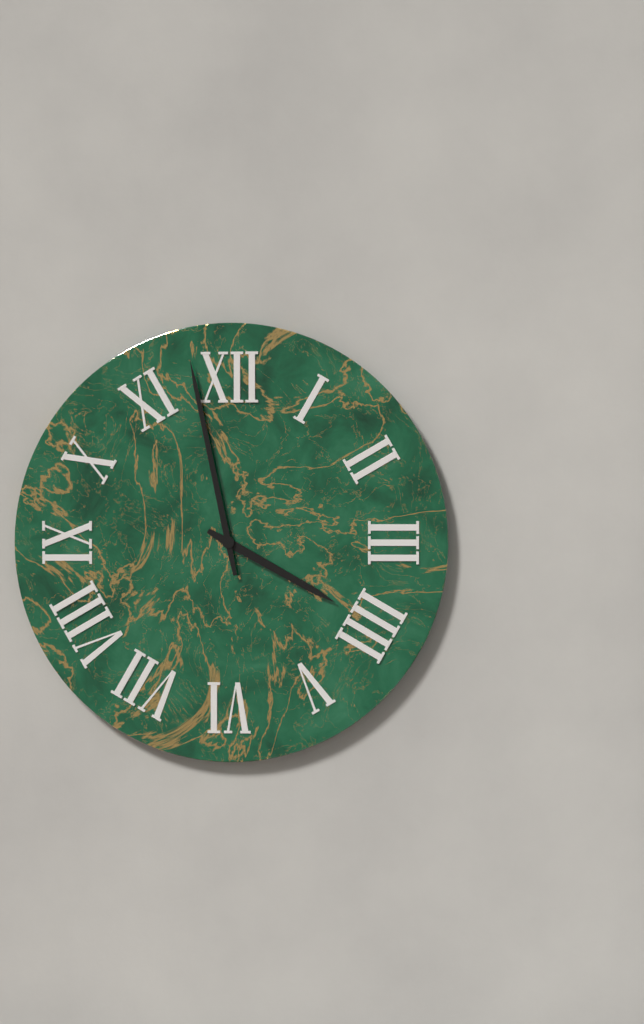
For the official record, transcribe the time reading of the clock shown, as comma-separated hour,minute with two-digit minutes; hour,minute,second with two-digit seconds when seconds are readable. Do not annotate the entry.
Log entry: 3,58
